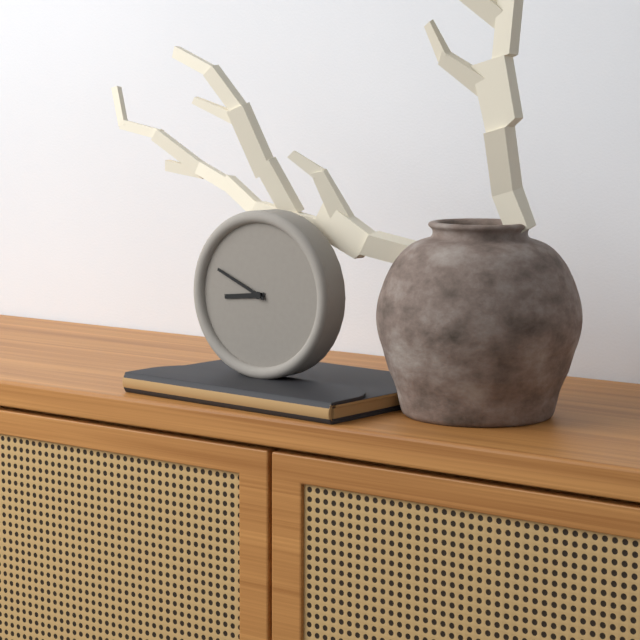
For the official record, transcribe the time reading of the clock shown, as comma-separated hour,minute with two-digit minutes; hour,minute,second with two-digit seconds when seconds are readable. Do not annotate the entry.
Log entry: 8,49
